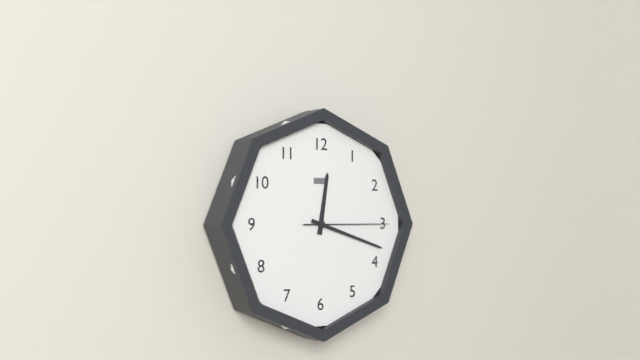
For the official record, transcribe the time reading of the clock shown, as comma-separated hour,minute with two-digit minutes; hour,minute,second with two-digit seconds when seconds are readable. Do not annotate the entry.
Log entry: 12,18,15
